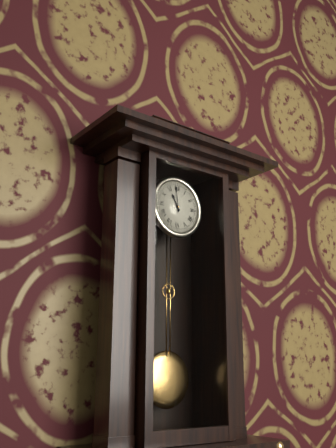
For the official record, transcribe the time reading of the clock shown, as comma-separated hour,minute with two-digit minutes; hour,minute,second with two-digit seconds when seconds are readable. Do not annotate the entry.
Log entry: 10,59
